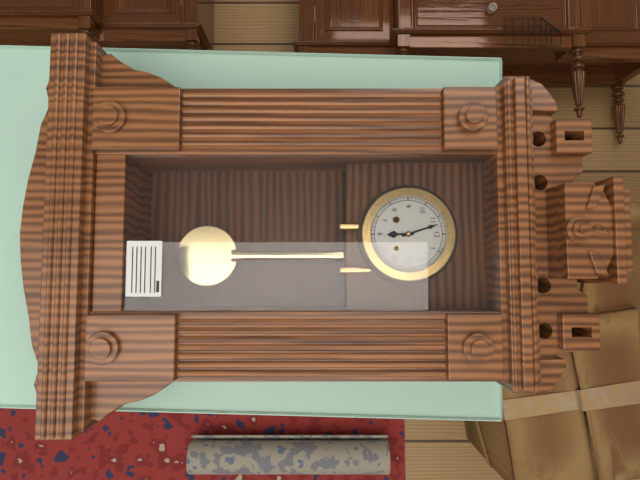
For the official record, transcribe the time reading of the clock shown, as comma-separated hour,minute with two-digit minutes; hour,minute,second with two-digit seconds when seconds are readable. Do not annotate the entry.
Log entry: 5,57
